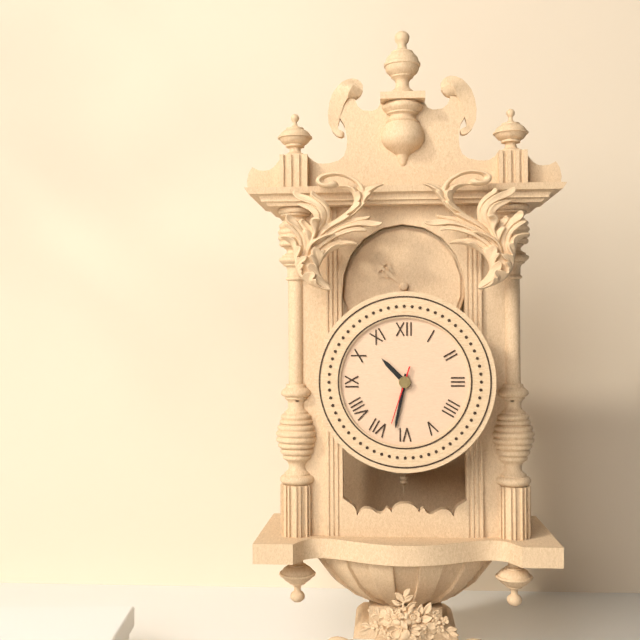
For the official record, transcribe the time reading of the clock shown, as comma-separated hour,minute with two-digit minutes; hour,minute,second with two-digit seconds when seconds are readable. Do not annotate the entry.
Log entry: 10,32,33
